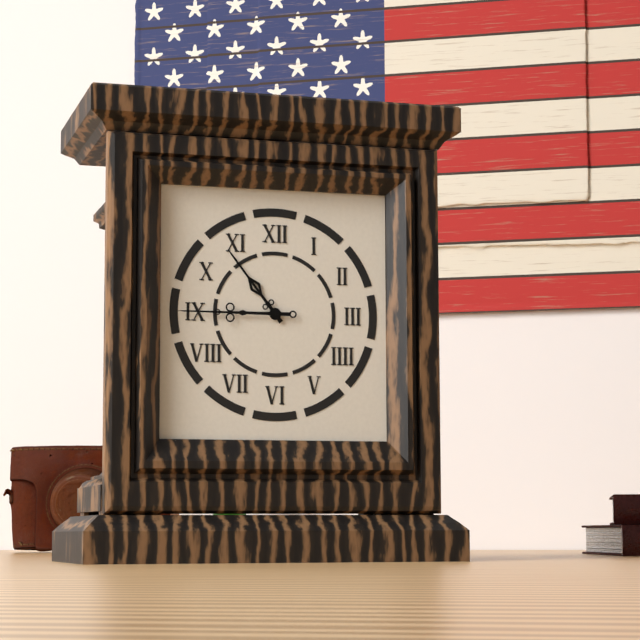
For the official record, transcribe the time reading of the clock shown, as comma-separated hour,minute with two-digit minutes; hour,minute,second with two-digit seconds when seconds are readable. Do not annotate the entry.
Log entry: 10,45
